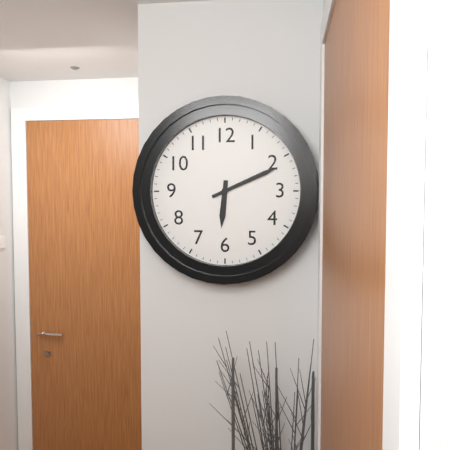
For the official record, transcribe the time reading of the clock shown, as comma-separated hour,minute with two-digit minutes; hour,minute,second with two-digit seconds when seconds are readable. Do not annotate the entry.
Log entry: 6,11
